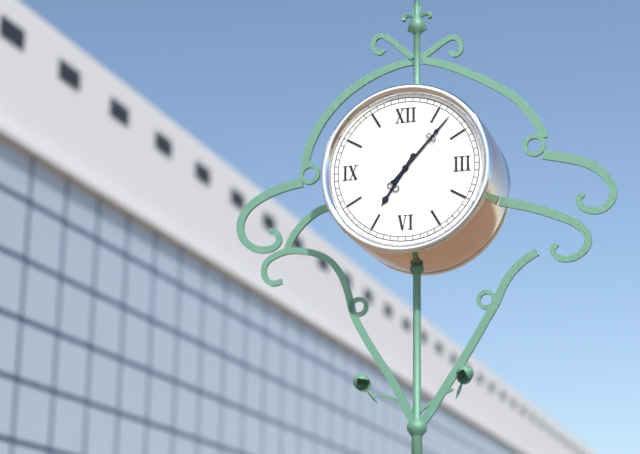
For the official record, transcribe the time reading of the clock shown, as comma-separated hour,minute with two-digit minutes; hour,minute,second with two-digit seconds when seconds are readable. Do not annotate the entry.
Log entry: 7,07
